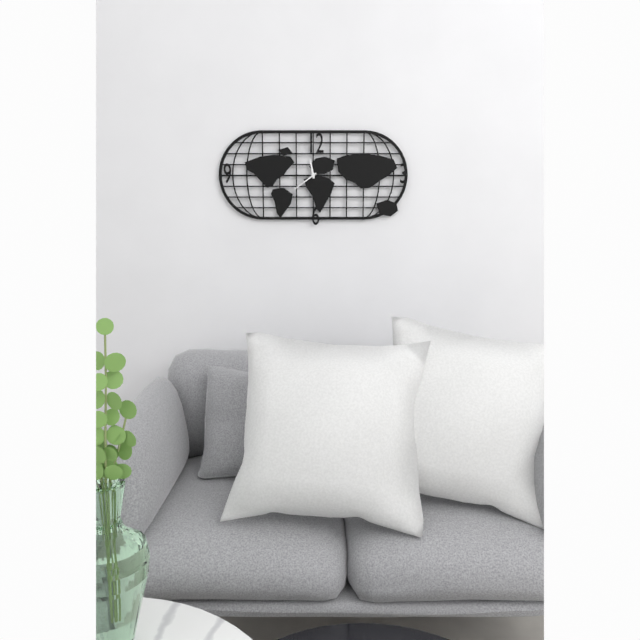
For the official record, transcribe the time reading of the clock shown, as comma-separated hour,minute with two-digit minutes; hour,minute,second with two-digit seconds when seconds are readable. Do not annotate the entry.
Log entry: 11,39
